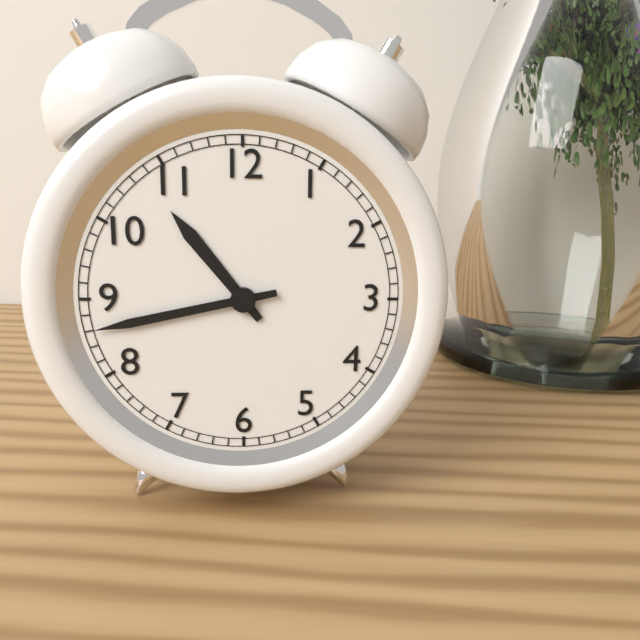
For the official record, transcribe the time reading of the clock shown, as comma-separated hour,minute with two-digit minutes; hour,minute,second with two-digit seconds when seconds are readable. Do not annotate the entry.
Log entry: 10,43
